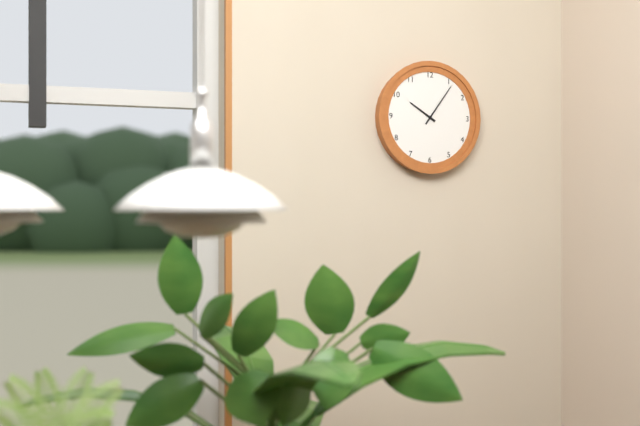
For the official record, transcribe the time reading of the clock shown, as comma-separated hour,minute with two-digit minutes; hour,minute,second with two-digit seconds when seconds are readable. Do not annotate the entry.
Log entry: 10,06
